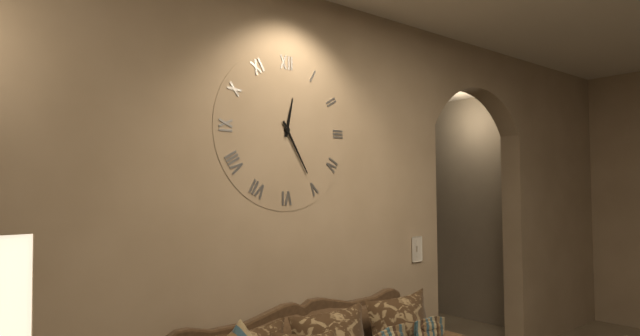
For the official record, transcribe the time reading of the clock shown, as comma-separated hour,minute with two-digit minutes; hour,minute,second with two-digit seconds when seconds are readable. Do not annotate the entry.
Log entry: 12,25
